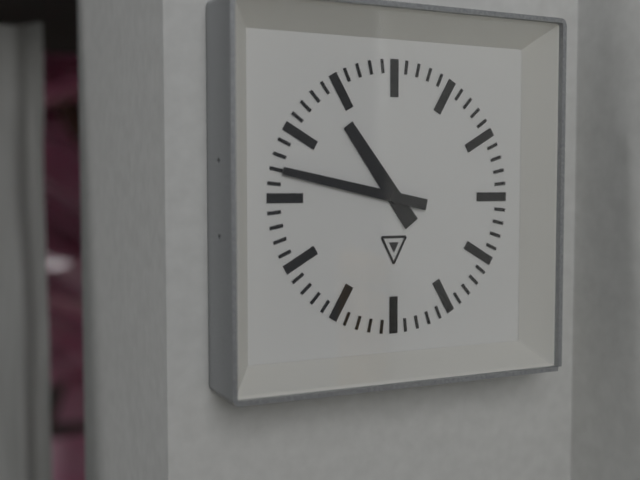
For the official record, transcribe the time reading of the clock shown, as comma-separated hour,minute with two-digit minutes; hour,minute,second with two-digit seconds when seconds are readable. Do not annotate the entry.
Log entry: 10,47
